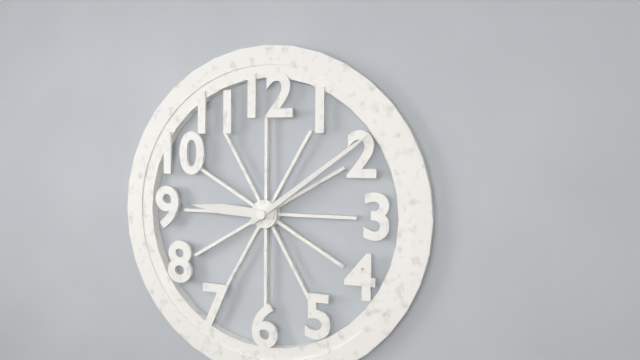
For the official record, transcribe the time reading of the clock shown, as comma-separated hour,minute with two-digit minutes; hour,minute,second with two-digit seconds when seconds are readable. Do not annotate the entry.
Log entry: 9,09
